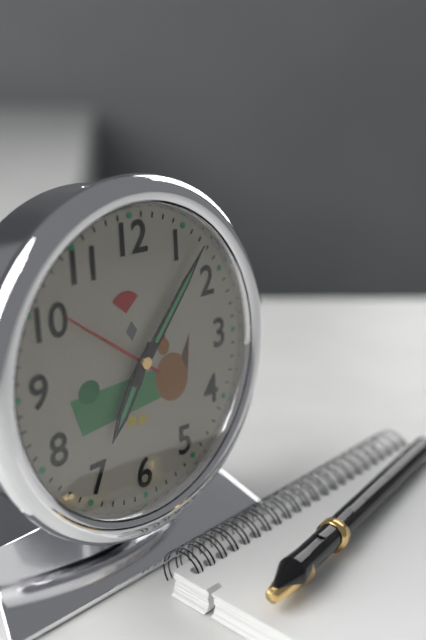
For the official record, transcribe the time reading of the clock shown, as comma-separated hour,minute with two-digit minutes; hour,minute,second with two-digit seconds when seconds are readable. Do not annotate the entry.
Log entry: 7,07
